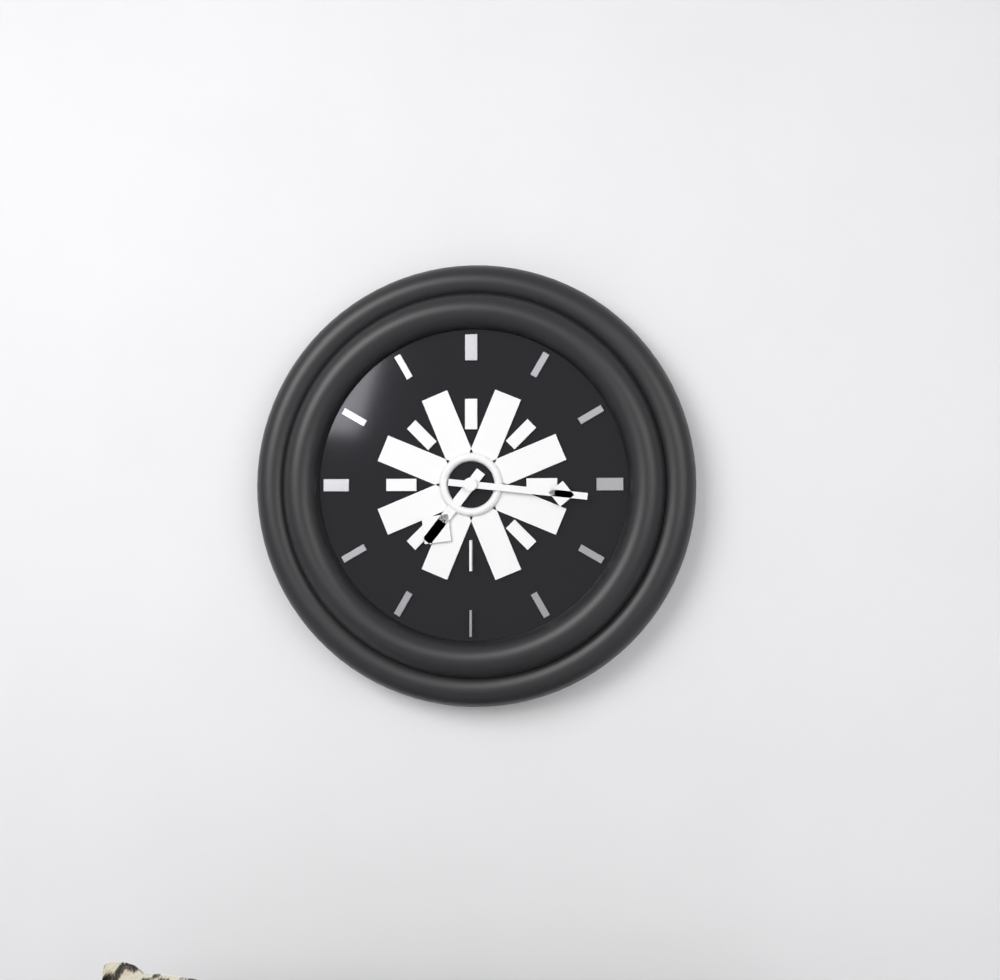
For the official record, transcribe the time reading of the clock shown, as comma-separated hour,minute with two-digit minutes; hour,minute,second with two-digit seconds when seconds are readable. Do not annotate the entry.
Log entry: 7,16
